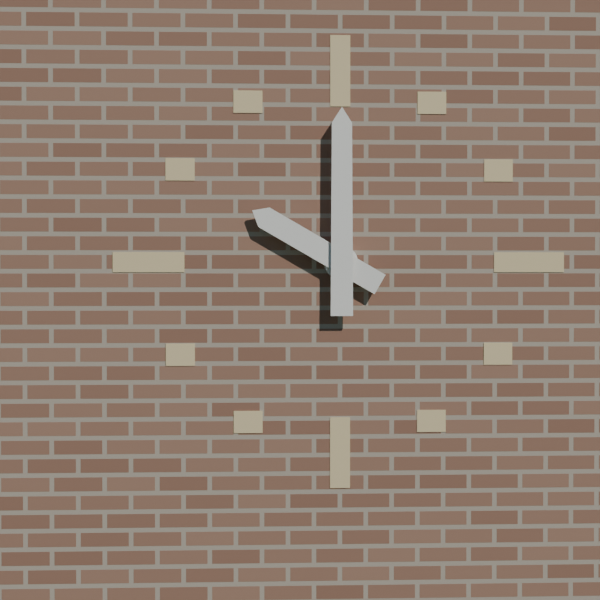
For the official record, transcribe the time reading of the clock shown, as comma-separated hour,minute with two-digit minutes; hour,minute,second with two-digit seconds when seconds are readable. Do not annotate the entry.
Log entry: 10,00
